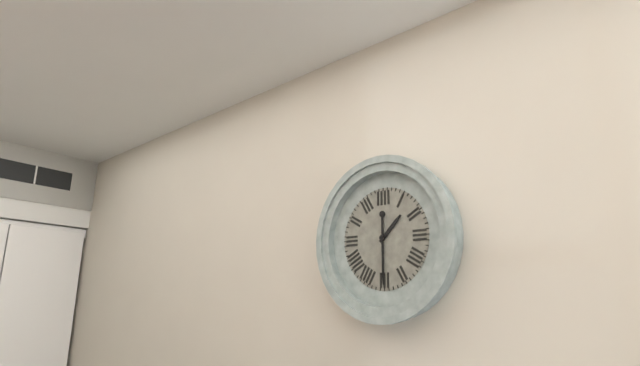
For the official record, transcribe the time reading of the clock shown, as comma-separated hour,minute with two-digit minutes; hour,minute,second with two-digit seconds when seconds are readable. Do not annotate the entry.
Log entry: 1,30
